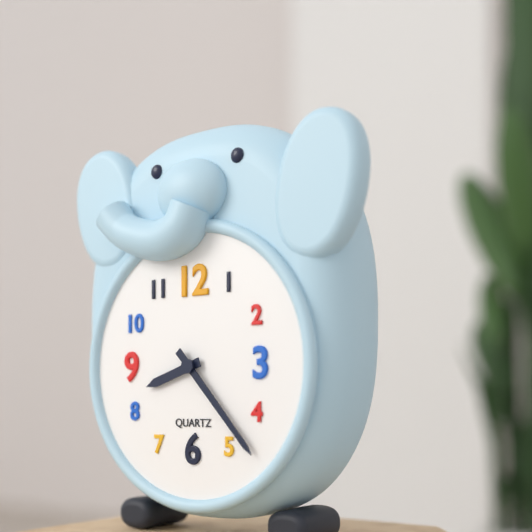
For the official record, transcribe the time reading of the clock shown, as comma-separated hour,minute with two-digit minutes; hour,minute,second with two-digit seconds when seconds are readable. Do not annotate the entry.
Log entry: 8,23
